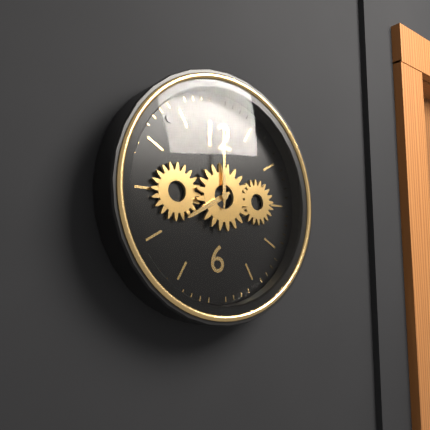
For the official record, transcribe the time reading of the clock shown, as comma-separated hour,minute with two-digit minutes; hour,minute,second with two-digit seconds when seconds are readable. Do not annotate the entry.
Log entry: 8,00
